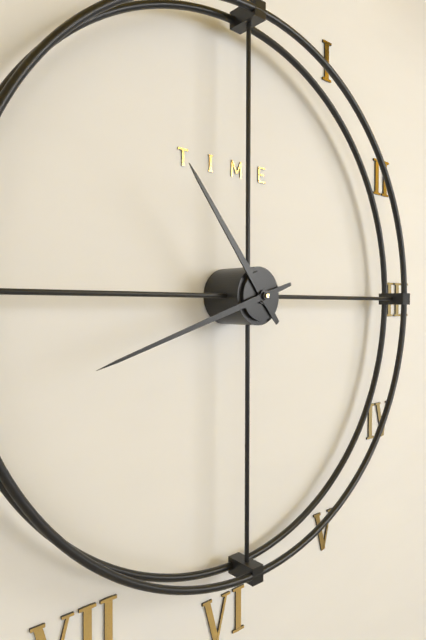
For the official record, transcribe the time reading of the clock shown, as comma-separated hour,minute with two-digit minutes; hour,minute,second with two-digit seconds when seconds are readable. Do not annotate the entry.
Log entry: 10,42
